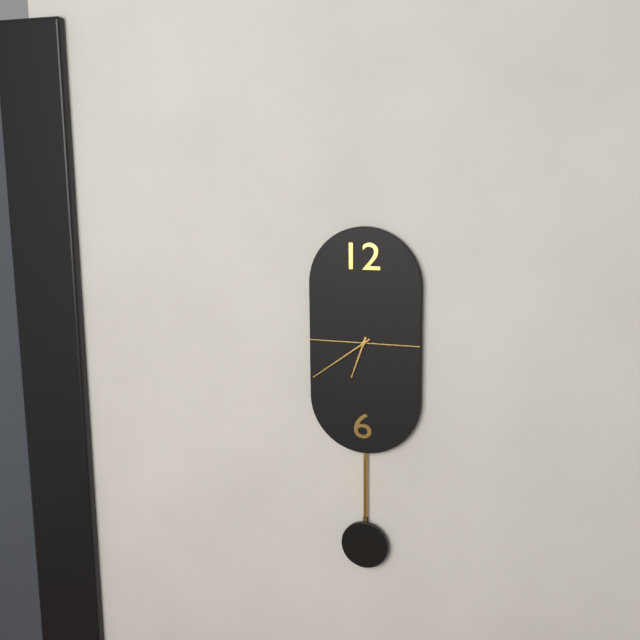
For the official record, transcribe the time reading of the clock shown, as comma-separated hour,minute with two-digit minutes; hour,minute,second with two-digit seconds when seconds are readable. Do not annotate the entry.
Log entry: 6,39
